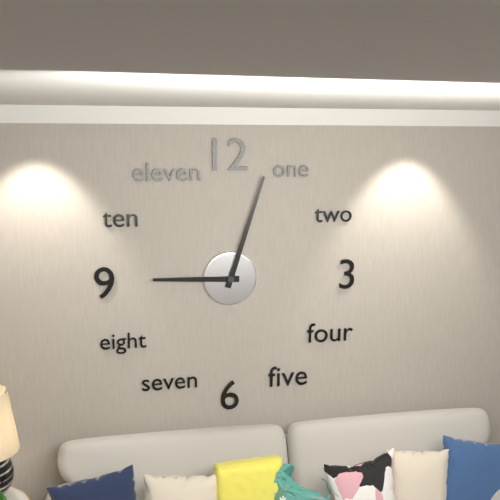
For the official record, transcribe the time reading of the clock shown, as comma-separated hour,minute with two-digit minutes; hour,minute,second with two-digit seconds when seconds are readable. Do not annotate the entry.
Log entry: 9,03
